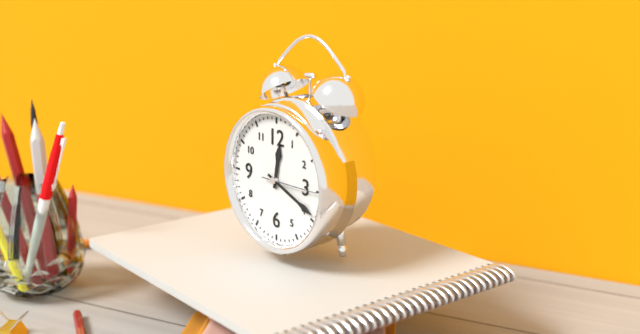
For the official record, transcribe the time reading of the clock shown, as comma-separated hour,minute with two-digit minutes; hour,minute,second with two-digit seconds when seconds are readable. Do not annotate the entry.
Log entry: 12,19,15
